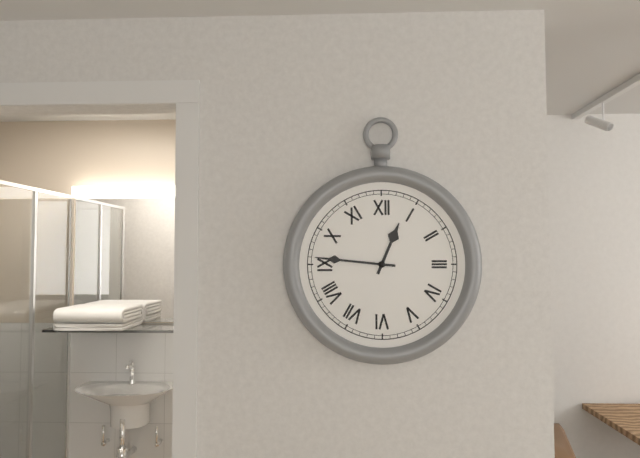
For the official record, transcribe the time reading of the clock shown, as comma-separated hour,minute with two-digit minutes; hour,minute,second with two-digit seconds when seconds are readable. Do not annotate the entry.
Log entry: 12,46
